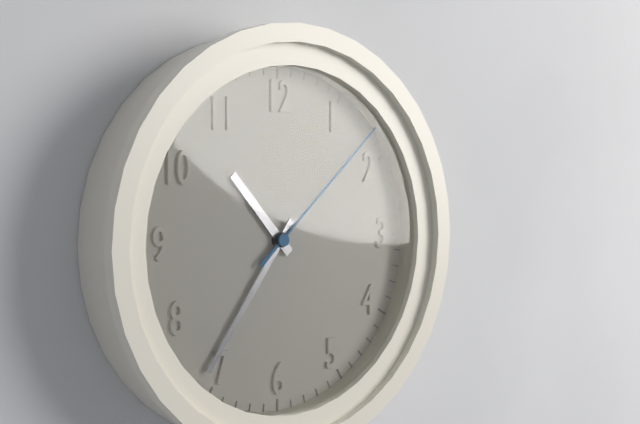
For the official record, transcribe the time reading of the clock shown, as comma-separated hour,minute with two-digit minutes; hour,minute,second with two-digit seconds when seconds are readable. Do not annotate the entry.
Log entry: 10,36,08
